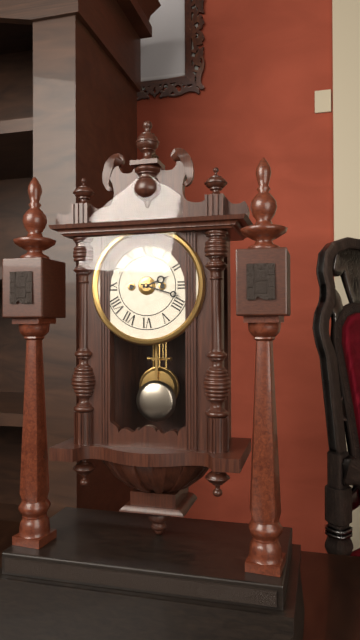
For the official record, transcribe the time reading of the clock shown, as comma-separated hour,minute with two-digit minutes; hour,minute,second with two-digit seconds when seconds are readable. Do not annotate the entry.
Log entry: 2,18
